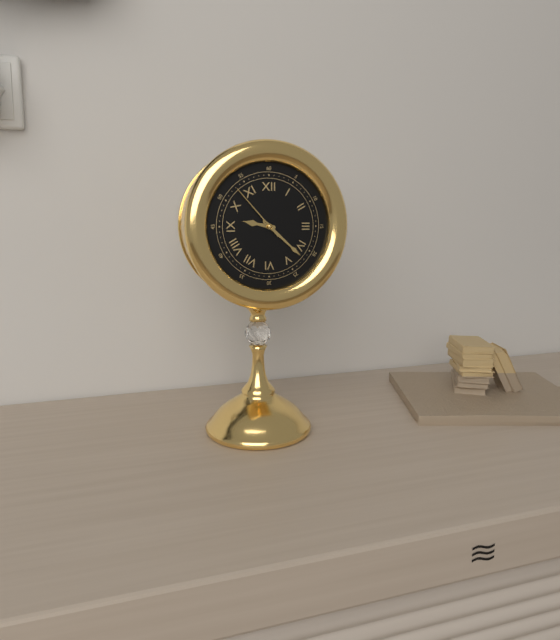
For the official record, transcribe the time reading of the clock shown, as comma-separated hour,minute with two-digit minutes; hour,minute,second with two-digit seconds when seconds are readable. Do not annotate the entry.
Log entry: 9,22,53
